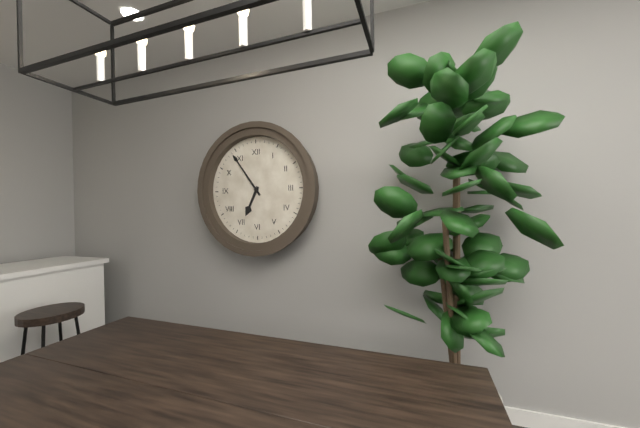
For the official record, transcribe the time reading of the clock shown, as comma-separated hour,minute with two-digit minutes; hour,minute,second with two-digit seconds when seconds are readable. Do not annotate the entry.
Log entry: 6,54
